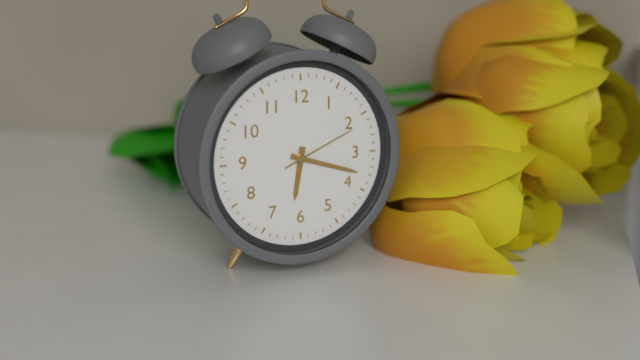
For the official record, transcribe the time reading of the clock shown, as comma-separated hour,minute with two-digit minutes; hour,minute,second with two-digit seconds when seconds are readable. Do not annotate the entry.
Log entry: 6,18,11
